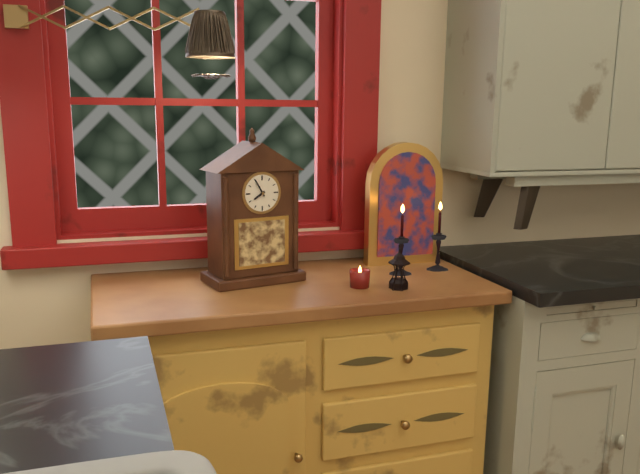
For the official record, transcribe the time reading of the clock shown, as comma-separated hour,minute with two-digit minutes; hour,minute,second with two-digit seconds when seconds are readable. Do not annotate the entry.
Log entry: 7,55
